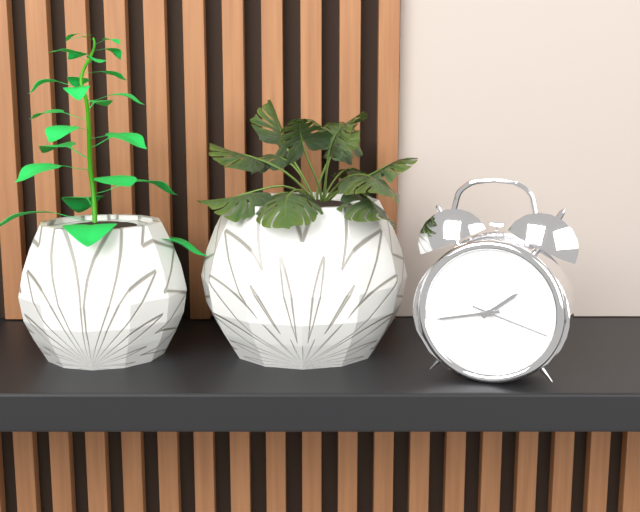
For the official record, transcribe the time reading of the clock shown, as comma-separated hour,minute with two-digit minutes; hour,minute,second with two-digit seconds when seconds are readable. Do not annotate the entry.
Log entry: 1,43,18
